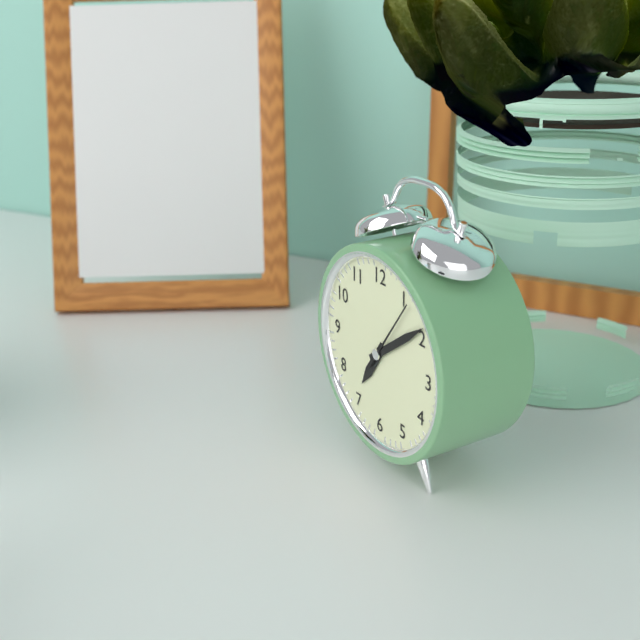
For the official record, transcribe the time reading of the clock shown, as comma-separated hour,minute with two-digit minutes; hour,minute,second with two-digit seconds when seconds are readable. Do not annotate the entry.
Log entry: 7,09,06
